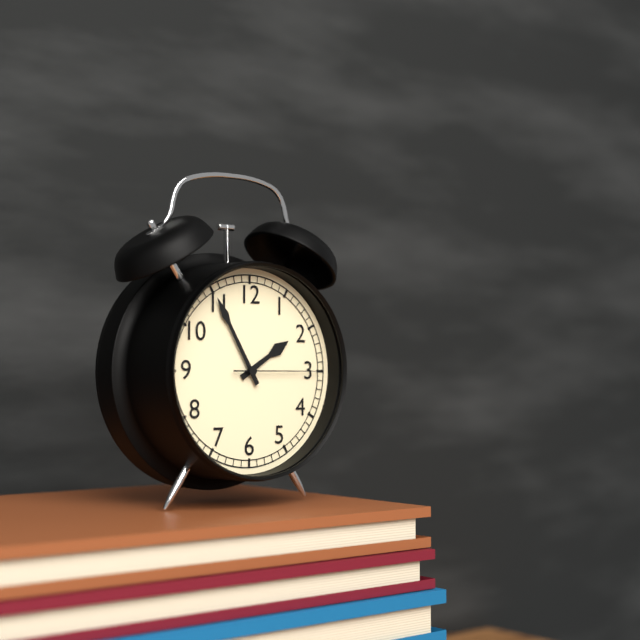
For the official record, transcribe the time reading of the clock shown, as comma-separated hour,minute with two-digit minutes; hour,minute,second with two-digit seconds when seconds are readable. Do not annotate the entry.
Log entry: 1,55,15
